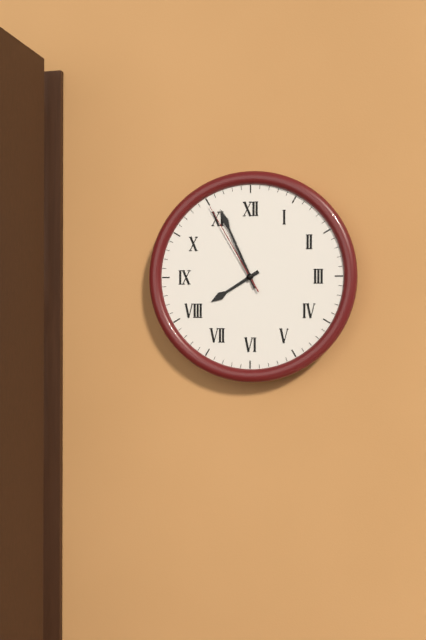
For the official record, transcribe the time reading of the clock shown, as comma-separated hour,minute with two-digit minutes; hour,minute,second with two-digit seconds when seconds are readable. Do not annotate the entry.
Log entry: 7,56,55
